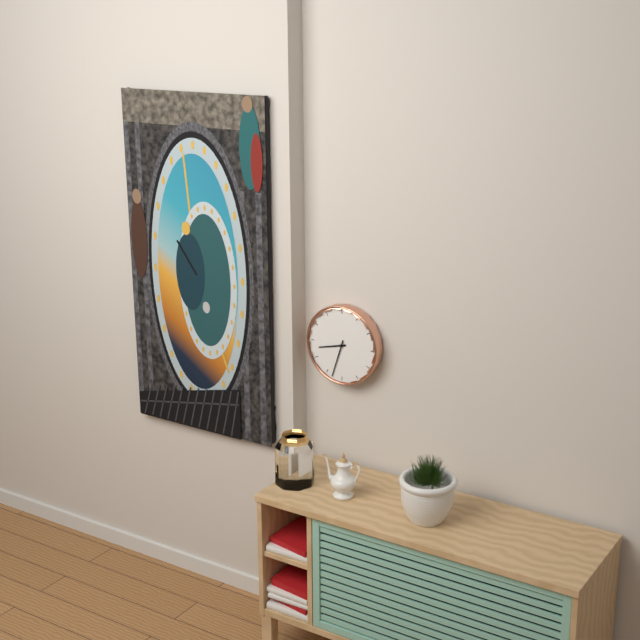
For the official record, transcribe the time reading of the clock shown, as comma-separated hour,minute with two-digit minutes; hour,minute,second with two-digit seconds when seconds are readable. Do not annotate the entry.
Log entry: 8,33
